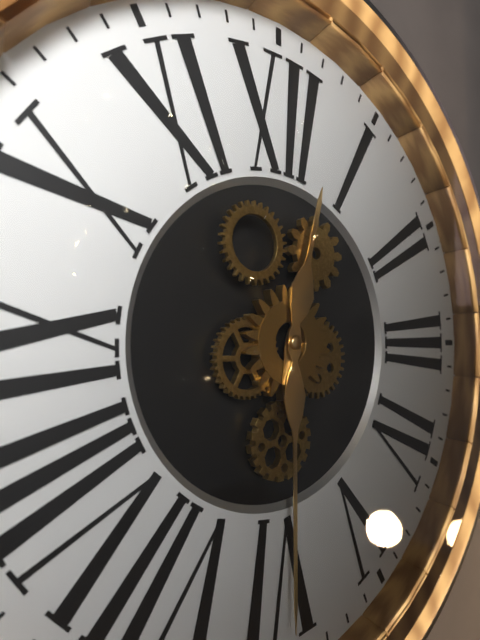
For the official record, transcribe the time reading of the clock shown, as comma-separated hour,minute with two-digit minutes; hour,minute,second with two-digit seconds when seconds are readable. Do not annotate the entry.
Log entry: 12,30
